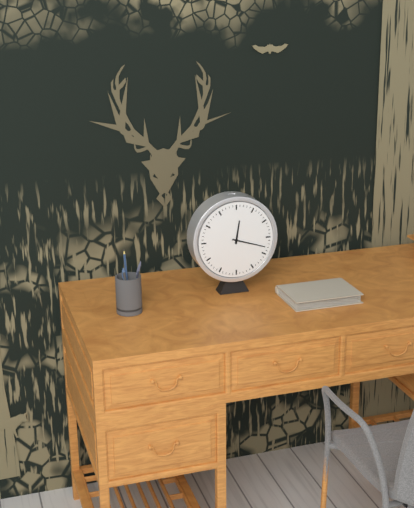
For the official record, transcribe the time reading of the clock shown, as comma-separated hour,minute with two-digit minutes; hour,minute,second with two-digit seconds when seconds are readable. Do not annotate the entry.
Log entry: 12,18
